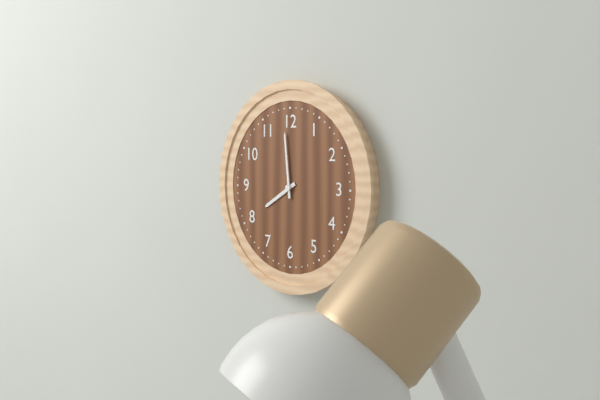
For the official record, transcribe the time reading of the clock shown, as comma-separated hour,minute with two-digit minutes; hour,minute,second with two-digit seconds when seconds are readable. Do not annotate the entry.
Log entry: 7,59
